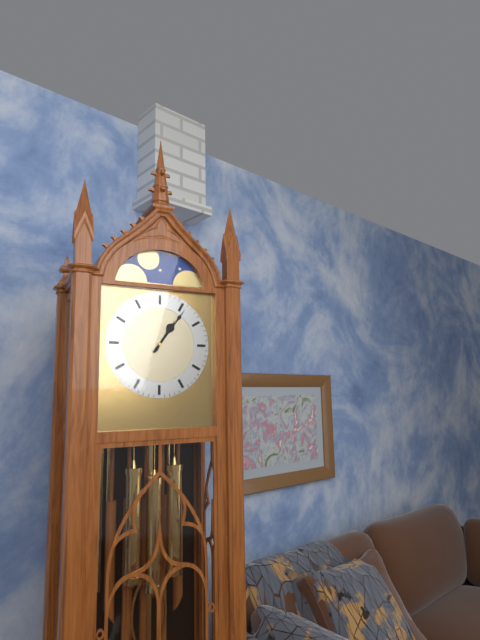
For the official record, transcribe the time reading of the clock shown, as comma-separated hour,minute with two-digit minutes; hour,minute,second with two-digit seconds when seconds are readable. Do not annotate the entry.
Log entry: 1,06
